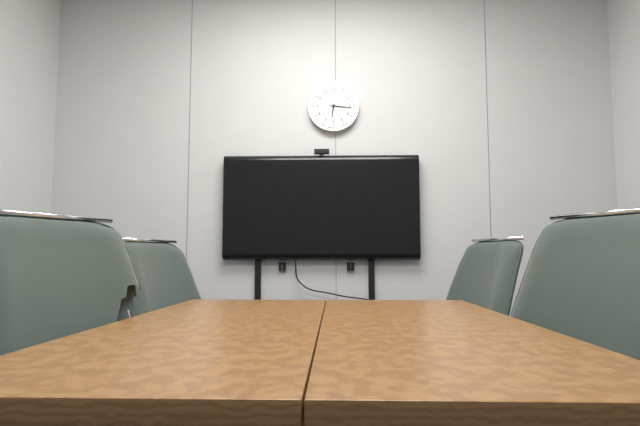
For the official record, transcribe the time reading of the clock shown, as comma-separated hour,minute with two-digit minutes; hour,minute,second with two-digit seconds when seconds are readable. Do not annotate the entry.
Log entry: 6,16
